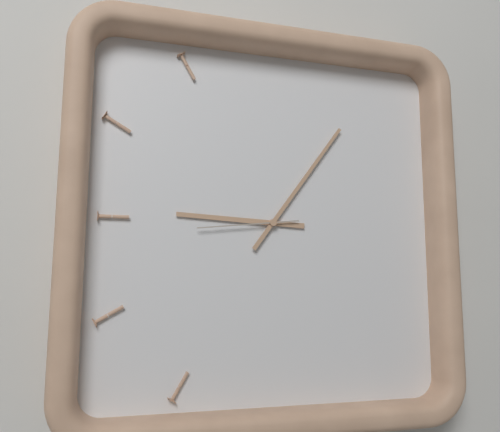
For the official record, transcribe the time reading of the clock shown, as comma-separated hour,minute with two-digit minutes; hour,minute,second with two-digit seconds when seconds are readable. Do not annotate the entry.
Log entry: 9,06,44
